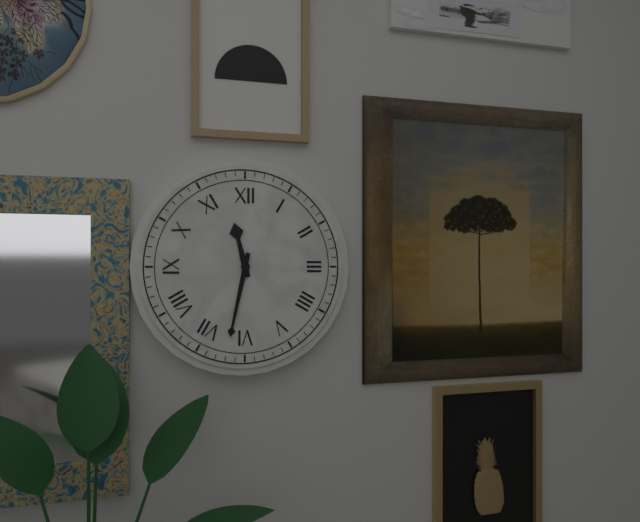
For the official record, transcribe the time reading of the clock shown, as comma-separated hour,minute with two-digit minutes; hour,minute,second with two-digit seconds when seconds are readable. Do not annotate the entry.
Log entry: 11,32
